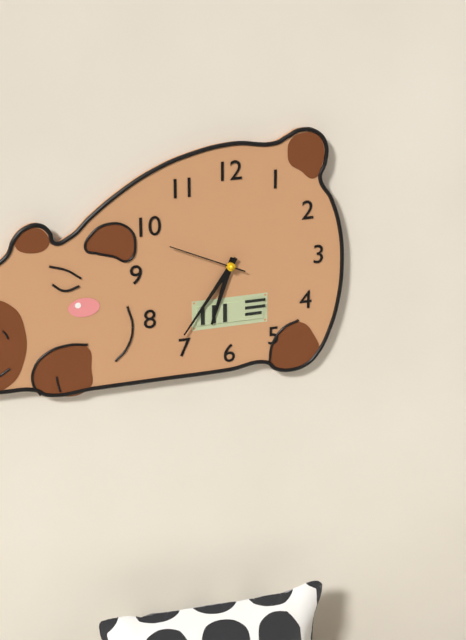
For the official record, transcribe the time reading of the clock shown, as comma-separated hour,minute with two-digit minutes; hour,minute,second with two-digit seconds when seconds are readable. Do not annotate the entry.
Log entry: 6,36,49
